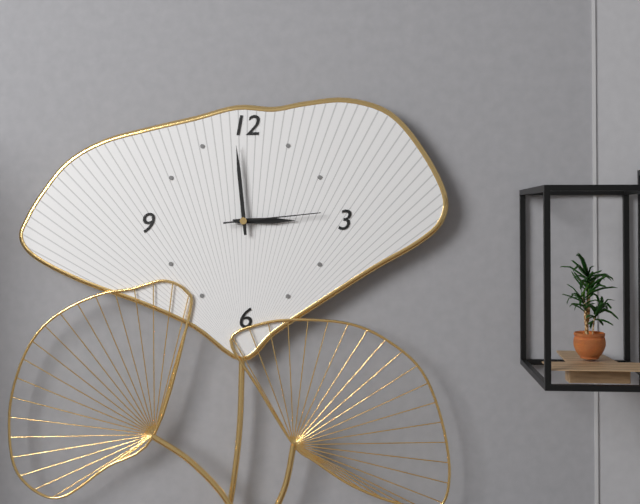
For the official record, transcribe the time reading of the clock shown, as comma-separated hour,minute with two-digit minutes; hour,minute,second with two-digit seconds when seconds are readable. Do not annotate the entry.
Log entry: 2,59,14
